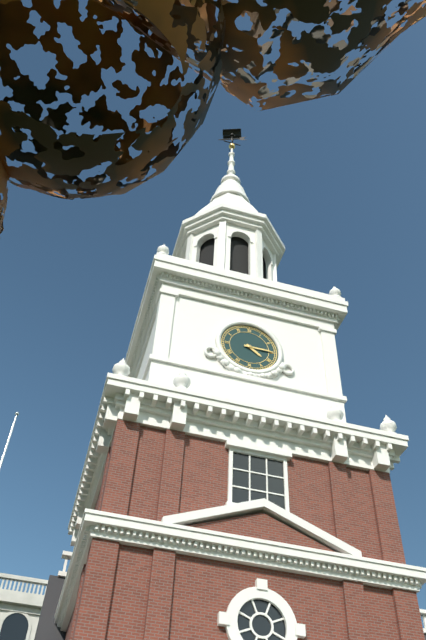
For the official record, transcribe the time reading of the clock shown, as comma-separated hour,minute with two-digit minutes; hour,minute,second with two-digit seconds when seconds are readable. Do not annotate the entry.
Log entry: 4,15
